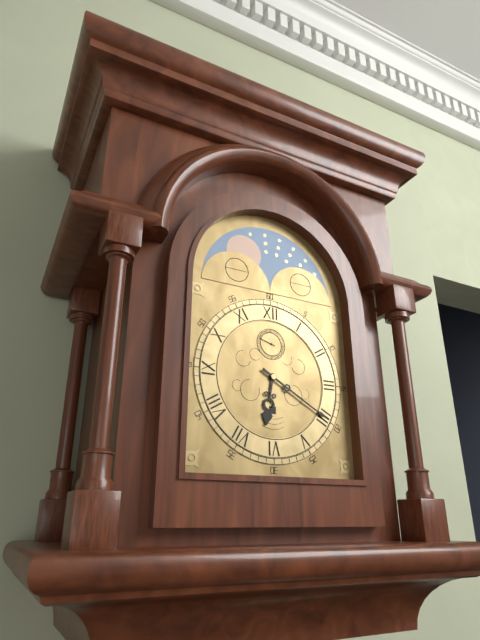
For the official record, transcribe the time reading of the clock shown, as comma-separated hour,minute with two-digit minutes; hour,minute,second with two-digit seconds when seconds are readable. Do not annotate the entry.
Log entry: 6,20
